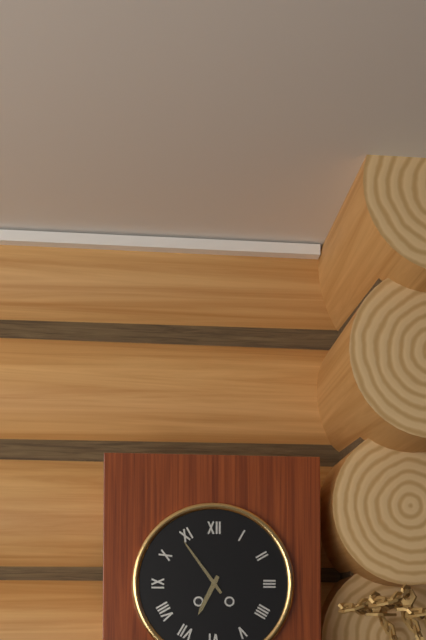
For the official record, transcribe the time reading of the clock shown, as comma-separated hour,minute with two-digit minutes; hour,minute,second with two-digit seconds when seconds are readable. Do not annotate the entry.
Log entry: 6,54
